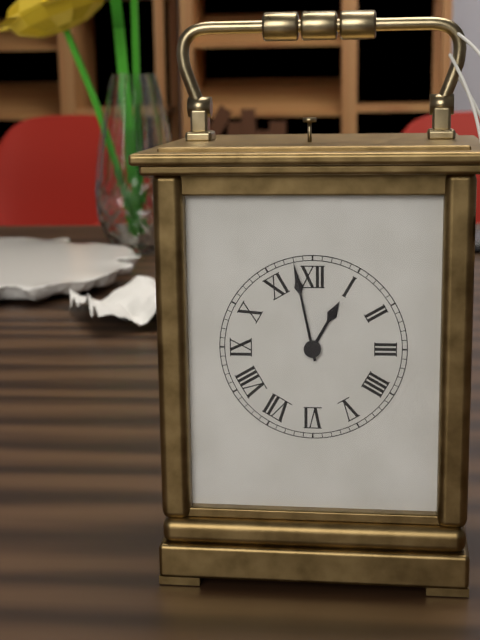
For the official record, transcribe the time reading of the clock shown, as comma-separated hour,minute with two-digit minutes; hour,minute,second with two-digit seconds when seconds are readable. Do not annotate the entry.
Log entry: 12,58
